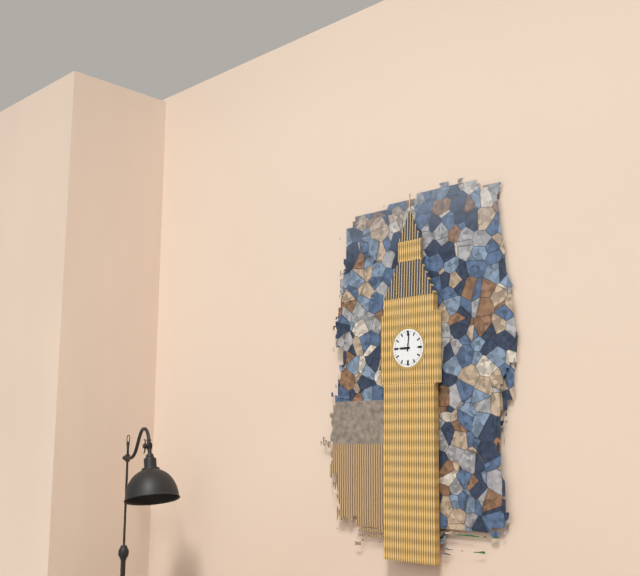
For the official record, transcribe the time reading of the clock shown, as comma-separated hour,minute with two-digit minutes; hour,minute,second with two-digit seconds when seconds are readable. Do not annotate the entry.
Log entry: 9,01
